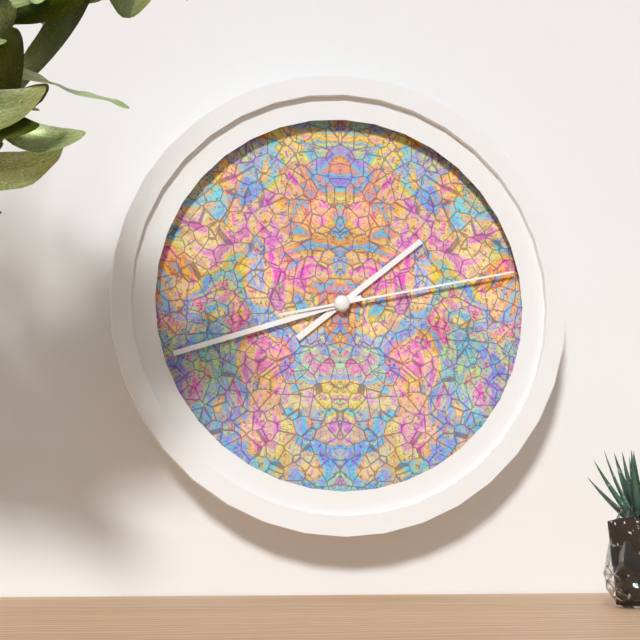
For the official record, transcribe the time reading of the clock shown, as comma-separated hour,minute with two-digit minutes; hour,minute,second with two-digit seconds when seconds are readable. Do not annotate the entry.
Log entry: 1,42,13
